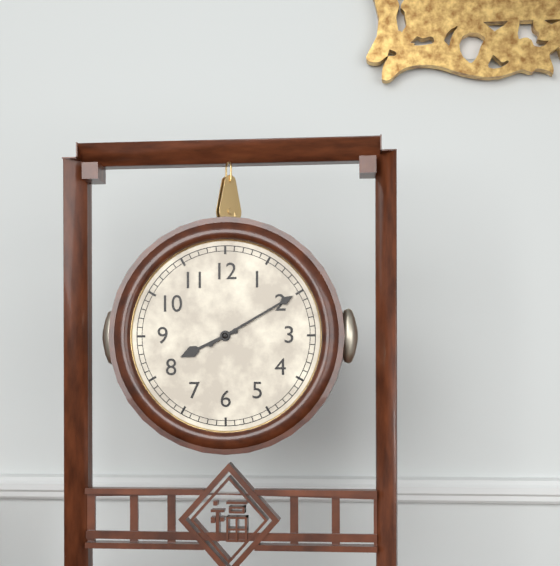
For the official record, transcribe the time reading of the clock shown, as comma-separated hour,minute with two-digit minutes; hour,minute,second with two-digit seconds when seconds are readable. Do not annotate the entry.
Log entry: 8,10
